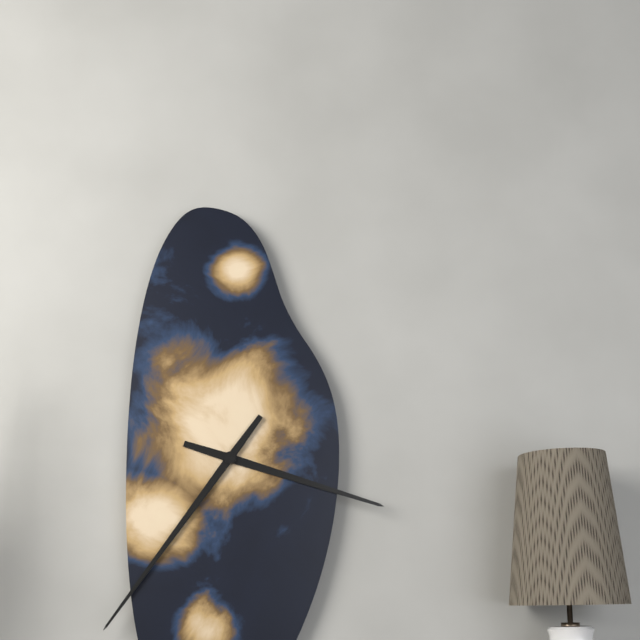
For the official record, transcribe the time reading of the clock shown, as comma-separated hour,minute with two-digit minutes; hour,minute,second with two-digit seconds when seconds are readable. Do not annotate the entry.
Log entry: 3,36
